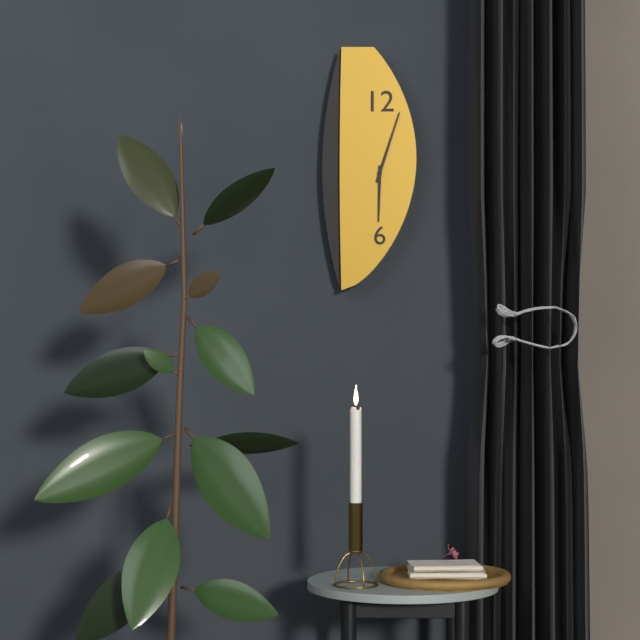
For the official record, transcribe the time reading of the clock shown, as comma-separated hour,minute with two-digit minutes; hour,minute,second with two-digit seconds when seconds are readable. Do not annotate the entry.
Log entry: 6,03
